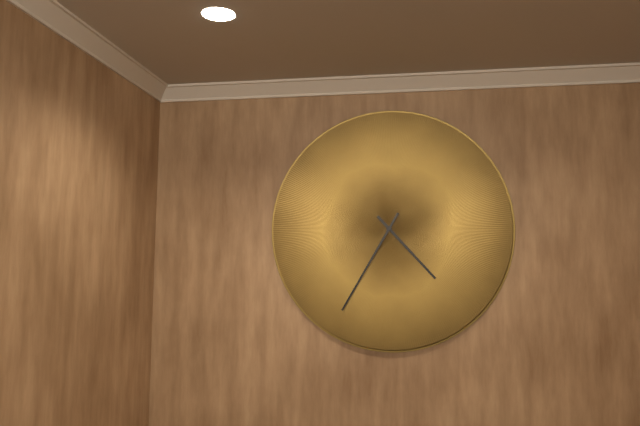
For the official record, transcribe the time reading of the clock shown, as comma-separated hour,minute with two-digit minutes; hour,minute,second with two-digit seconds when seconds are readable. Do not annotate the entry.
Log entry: 4,35
